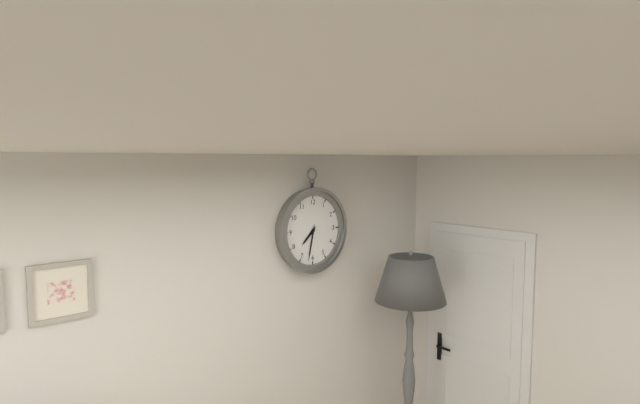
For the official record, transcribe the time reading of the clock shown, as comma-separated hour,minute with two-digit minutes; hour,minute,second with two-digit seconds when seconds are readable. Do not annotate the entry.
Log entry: 7,32
